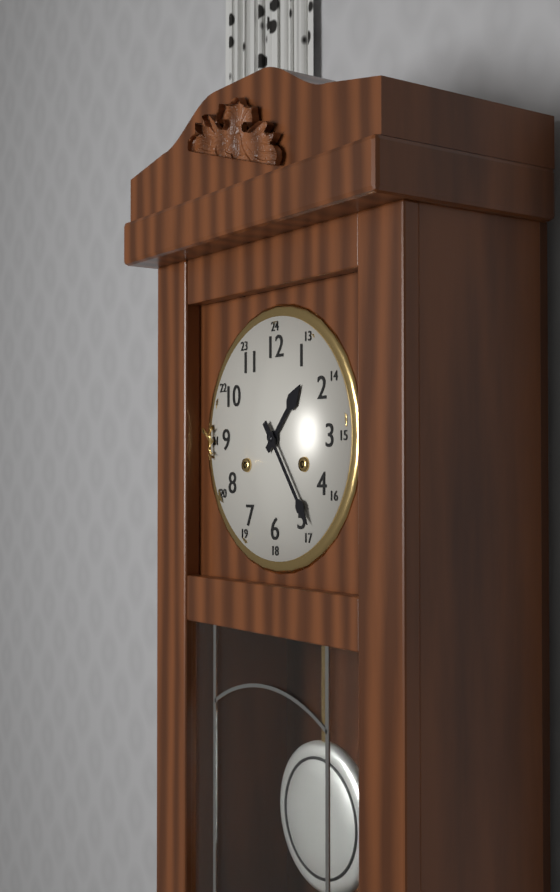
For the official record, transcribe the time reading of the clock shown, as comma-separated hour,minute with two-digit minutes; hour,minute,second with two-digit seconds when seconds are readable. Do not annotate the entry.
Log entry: 1,24
